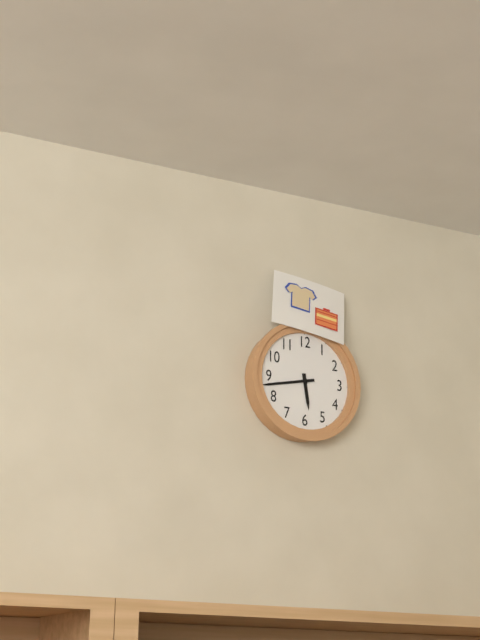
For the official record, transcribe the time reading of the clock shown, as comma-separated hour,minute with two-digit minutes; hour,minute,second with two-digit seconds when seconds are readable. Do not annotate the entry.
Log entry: 5,43
